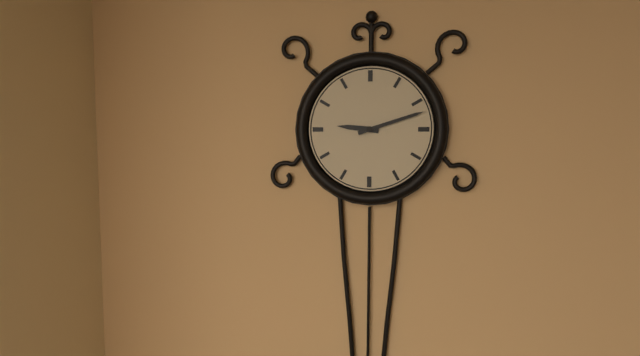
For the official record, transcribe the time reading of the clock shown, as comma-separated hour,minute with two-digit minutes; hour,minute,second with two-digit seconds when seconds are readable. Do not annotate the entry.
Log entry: 9,12
